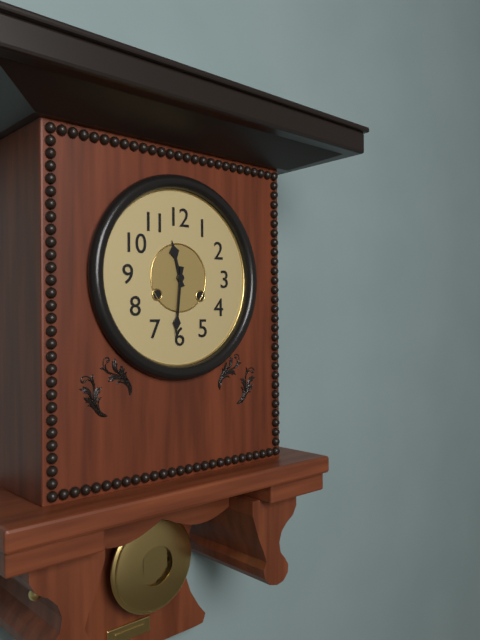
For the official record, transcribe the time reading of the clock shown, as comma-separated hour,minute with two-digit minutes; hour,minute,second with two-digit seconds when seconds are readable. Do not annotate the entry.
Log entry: 11,31
